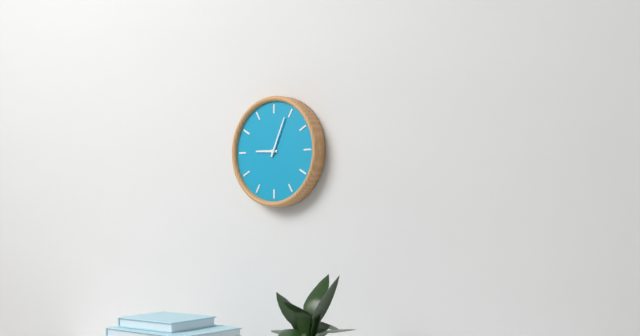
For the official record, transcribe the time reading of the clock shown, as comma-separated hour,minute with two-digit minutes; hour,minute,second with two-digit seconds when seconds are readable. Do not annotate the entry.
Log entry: 9,04
